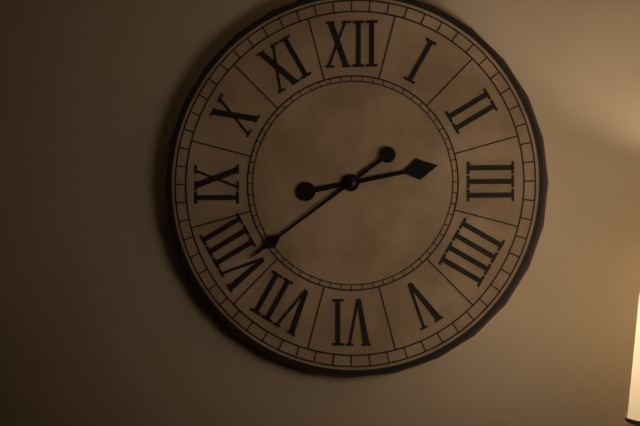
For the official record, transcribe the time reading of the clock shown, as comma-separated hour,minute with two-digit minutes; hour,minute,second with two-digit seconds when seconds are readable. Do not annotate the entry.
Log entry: 2,39
